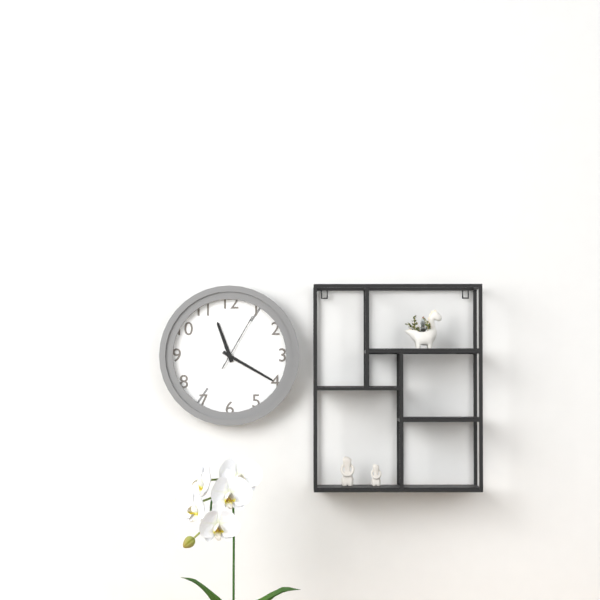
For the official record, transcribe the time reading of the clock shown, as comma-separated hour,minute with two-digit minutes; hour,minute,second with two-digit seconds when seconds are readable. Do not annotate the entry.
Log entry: 11,20,05
